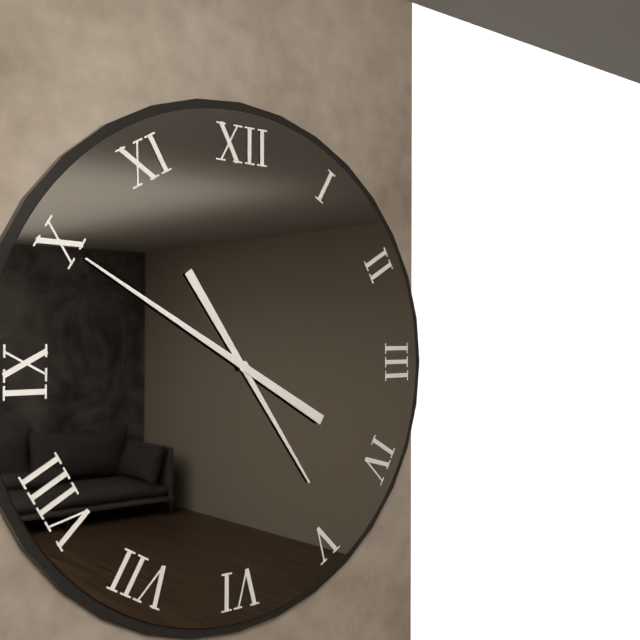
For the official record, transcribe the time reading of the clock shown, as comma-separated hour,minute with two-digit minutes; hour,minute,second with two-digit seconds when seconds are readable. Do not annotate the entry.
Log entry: 4,50
